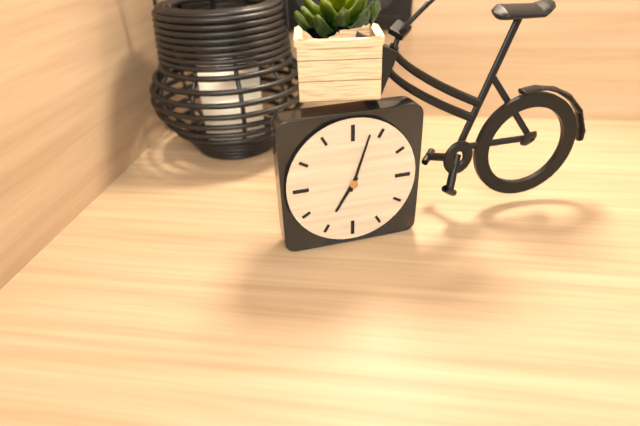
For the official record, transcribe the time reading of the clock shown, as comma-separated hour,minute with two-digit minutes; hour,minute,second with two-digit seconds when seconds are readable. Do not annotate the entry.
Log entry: 7,03
